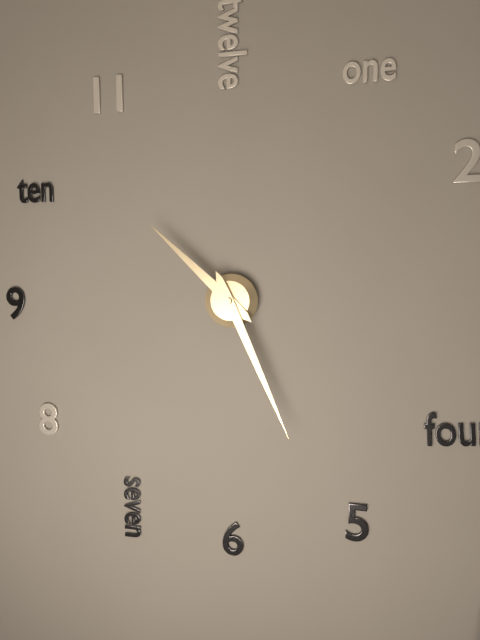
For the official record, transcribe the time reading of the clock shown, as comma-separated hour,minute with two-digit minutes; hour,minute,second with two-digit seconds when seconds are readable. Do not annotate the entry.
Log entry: 10,26
